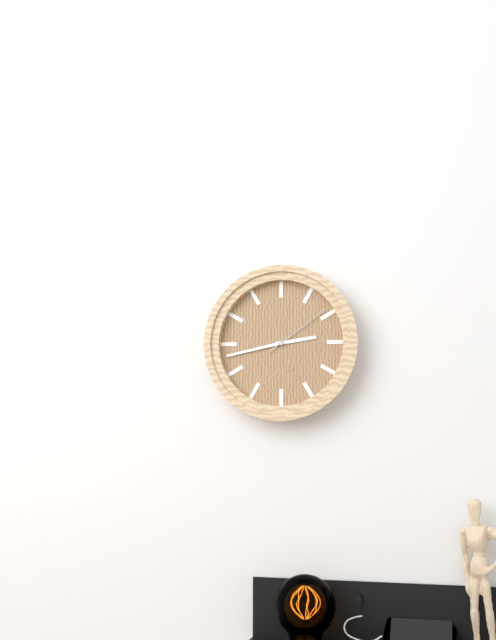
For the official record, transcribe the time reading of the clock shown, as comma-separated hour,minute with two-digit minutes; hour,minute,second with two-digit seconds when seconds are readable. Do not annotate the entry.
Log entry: 2,43,09
